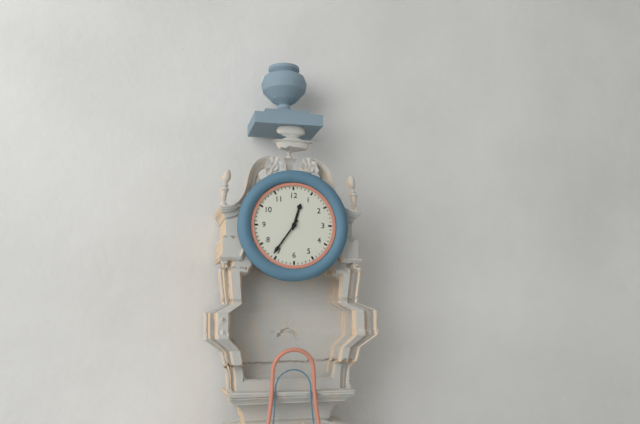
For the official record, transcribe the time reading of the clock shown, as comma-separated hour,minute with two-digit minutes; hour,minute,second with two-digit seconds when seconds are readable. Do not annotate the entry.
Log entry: 12,36
